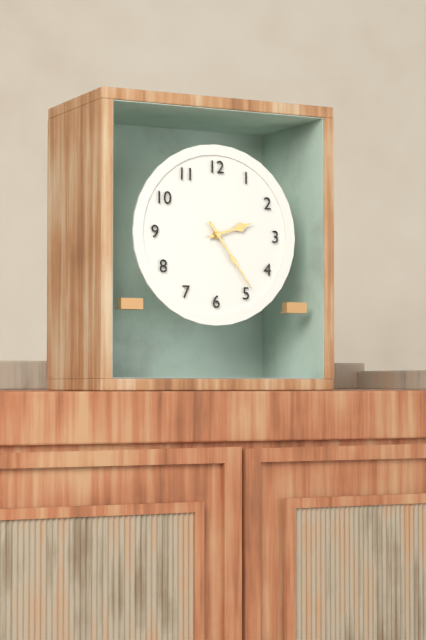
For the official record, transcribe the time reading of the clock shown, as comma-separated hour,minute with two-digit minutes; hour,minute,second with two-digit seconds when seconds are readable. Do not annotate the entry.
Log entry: 2,24
